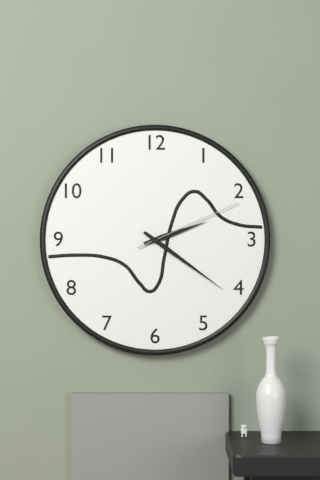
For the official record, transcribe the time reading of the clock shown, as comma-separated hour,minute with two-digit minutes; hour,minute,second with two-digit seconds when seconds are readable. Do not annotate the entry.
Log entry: 2,21,11
